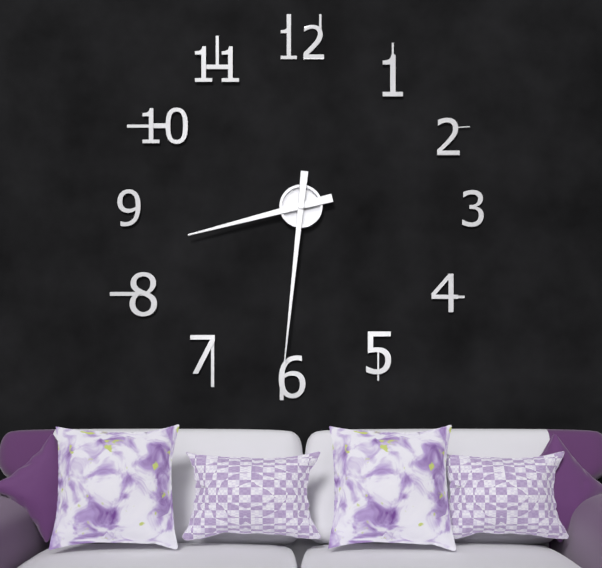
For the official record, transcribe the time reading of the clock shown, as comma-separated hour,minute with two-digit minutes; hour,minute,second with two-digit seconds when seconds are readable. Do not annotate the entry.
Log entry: 8,31
